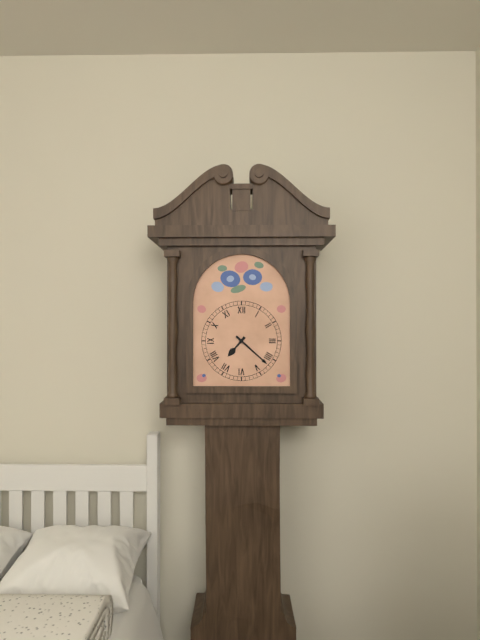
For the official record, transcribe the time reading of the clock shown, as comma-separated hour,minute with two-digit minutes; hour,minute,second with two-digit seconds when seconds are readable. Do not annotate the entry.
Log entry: 7,22
